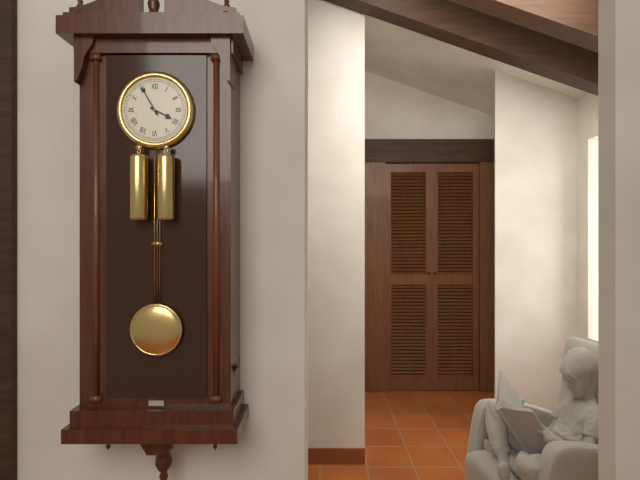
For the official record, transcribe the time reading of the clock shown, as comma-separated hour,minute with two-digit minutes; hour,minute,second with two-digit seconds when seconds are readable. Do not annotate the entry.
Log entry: 3,55
